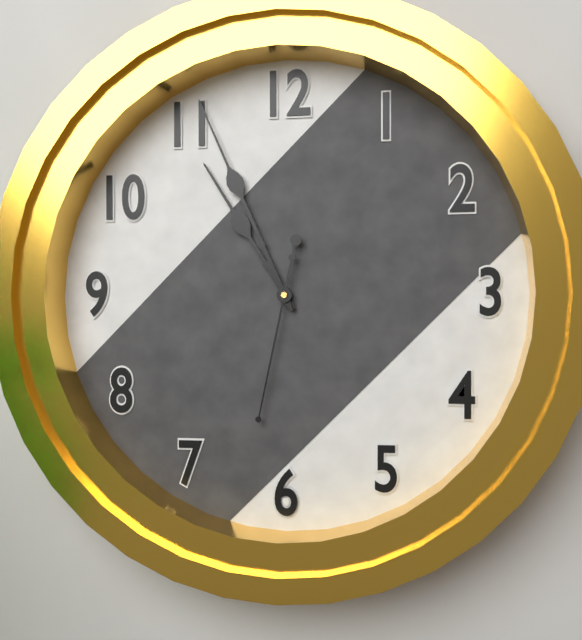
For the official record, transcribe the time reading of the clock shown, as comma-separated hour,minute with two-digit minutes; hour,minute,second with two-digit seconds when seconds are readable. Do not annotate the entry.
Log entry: 10,56,32
